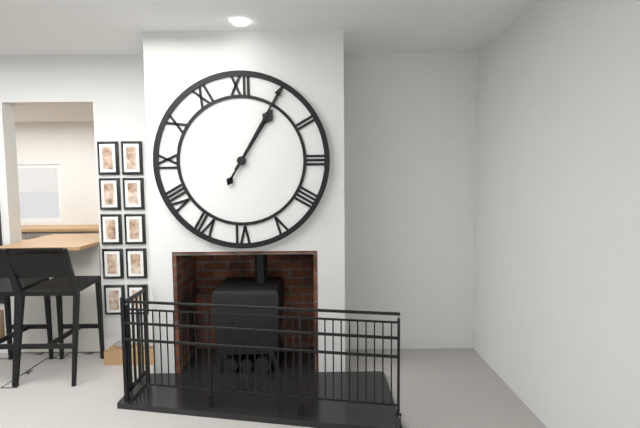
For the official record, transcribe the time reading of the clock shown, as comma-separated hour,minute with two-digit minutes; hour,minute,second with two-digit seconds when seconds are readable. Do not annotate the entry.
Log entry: 1,05
